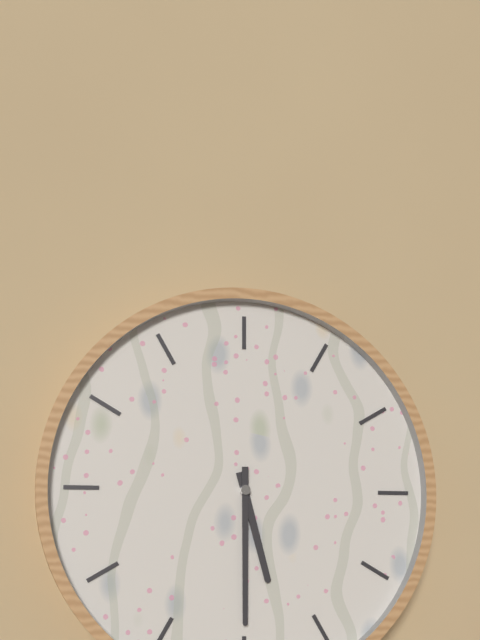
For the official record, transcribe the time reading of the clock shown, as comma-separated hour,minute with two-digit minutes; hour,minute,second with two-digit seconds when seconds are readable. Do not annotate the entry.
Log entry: 5,30
